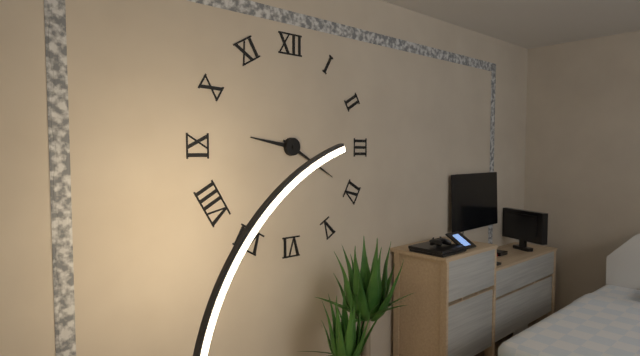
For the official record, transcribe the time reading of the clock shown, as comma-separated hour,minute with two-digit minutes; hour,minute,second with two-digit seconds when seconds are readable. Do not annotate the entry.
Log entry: 9,20
